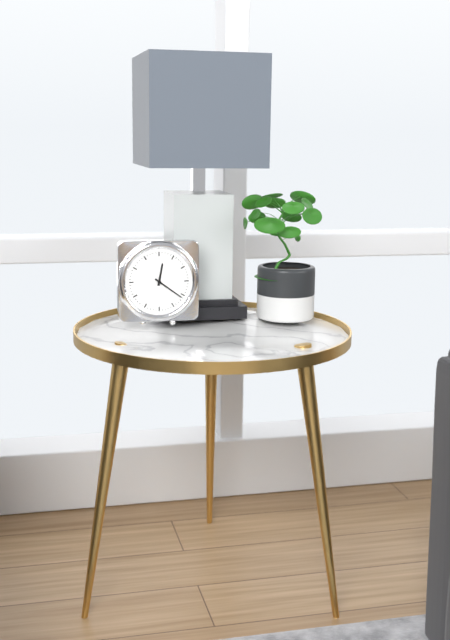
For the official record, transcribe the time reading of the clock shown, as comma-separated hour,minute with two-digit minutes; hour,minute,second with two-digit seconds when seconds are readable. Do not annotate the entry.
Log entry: 12,21
